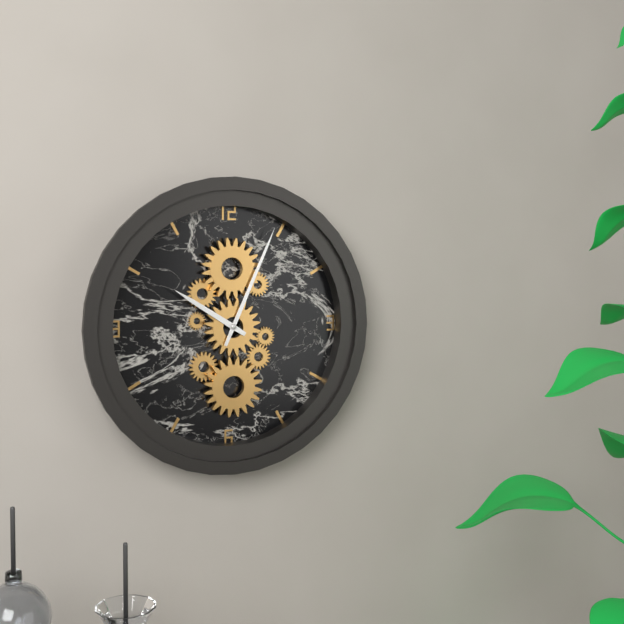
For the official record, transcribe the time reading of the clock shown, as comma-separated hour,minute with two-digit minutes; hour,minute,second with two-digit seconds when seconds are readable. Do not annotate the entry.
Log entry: 10,04
